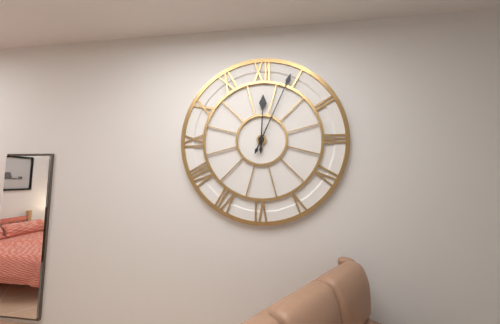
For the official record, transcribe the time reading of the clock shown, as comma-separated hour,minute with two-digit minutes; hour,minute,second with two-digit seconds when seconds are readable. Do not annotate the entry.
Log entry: 12,04
